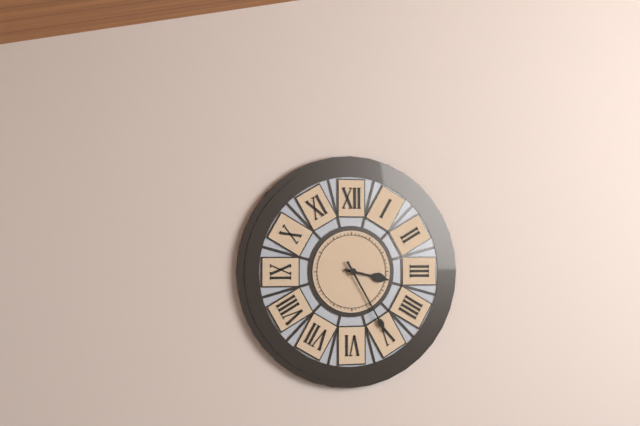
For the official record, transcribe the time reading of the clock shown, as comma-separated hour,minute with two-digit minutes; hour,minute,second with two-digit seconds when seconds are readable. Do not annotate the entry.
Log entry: 3,25
